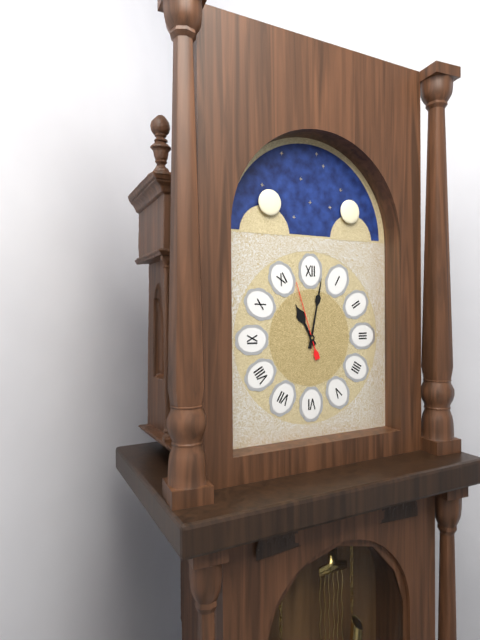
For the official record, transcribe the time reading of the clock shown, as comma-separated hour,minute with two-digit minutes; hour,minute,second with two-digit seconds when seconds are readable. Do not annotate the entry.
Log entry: 11,02,57
